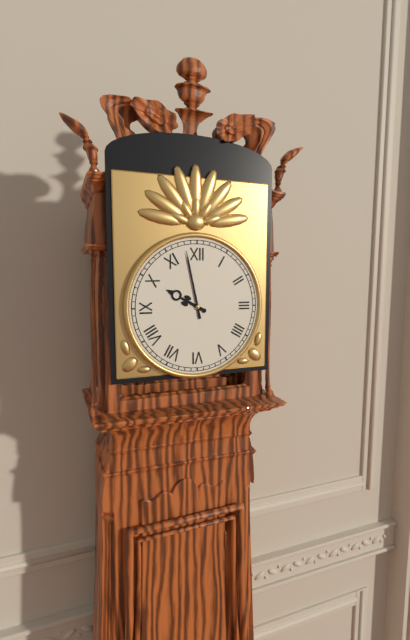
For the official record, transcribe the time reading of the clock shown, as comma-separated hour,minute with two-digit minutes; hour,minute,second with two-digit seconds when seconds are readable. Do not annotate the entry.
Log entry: 9,58
